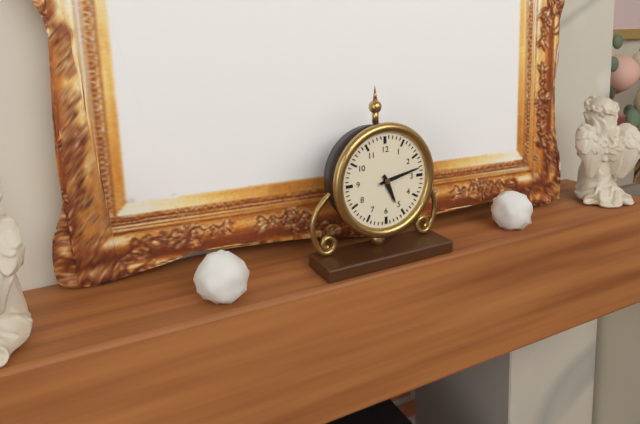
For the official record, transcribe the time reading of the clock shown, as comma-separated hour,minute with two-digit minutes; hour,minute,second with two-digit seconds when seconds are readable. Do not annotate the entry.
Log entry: 5,13
